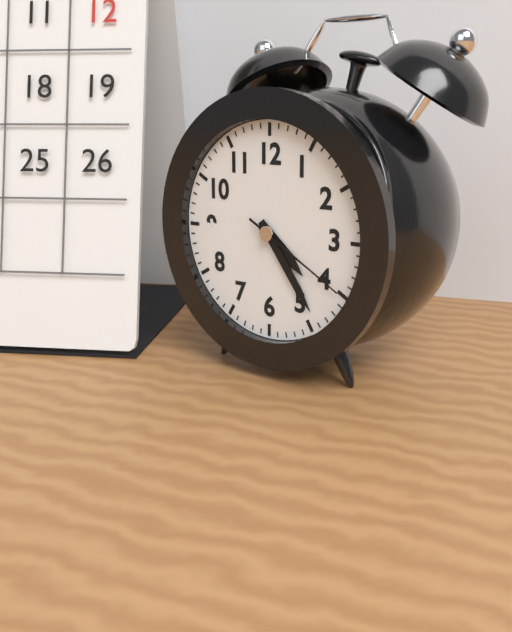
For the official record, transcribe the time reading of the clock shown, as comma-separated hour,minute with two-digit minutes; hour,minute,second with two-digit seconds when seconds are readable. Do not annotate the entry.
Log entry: 4,24,20
